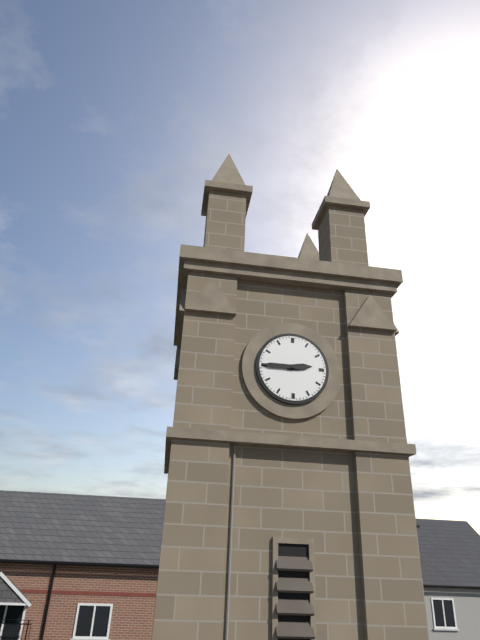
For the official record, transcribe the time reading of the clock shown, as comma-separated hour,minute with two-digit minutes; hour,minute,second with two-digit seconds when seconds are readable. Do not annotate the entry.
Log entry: 2,45
